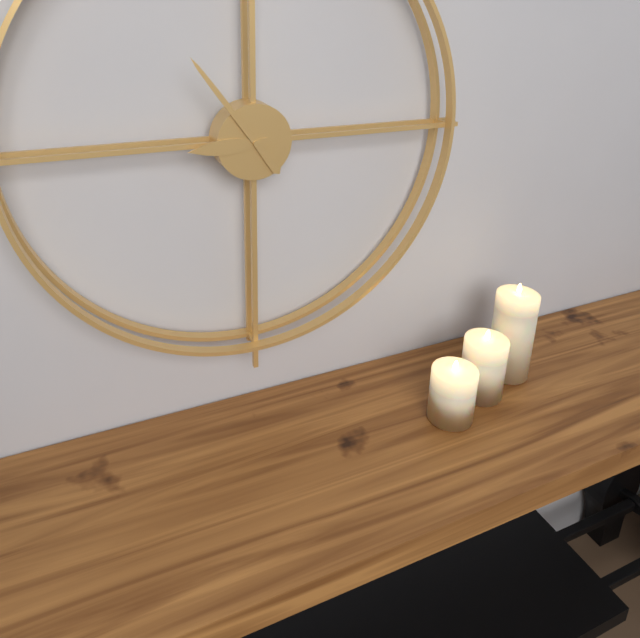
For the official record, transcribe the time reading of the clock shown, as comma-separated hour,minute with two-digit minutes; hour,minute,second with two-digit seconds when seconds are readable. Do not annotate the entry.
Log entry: 8,54
